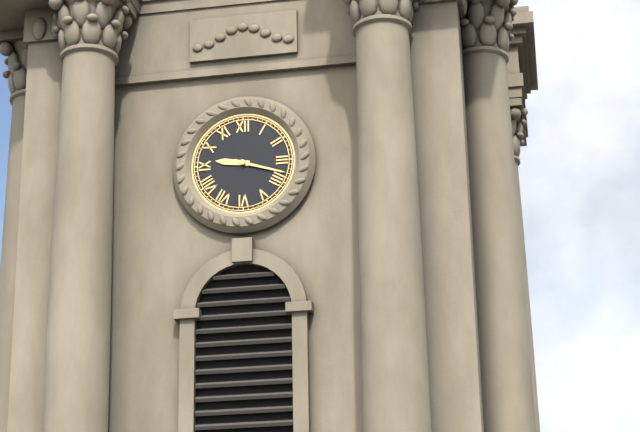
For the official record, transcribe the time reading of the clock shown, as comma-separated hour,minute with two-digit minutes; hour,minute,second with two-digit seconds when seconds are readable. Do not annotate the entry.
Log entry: 9,18
